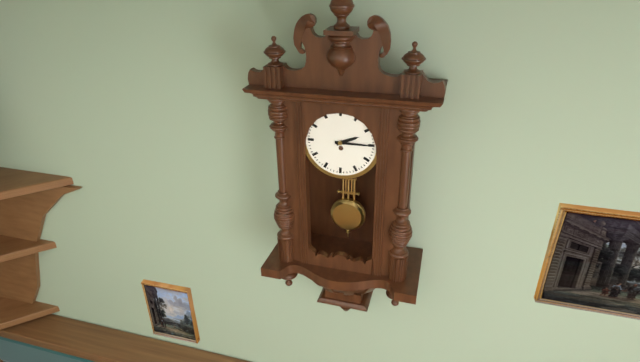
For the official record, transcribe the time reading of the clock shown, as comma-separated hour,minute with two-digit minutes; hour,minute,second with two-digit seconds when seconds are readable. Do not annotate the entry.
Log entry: 2,15
